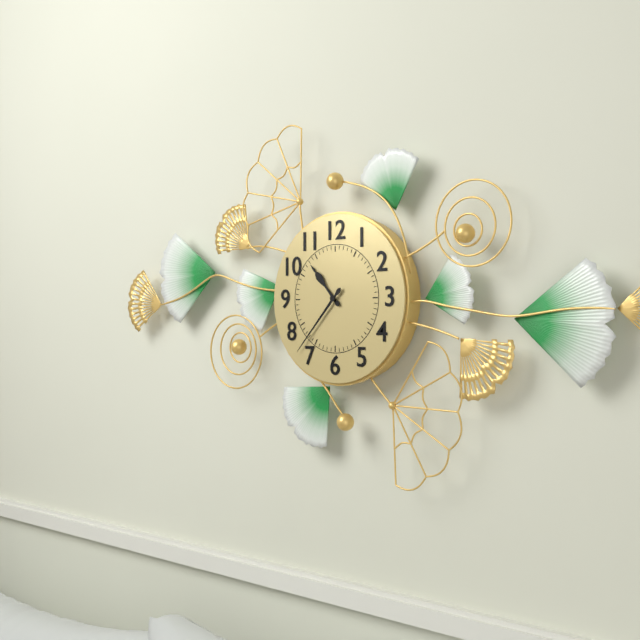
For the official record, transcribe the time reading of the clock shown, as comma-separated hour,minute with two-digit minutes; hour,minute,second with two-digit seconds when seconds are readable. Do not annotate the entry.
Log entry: 10,37
